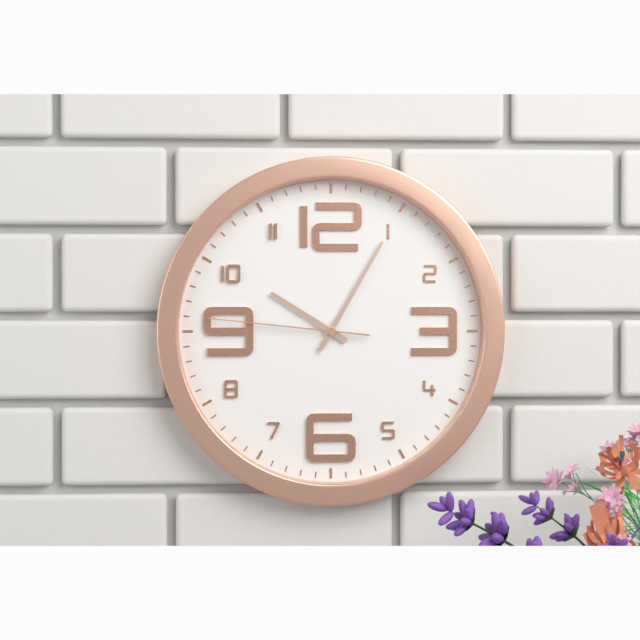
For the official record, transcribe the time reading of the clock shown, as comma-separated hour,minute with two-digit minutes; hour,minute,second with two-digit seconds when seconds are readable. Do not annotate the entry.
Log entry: 10,05,46
